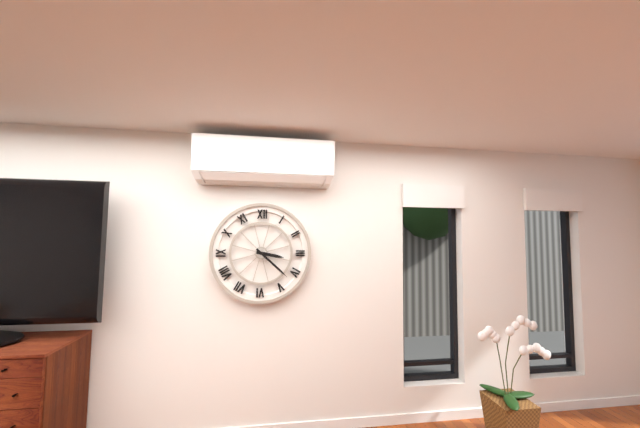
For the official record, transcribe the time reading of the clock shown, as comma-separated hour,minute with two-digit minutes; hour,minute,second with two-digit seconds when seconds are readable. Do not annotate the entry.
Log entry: 3,22
